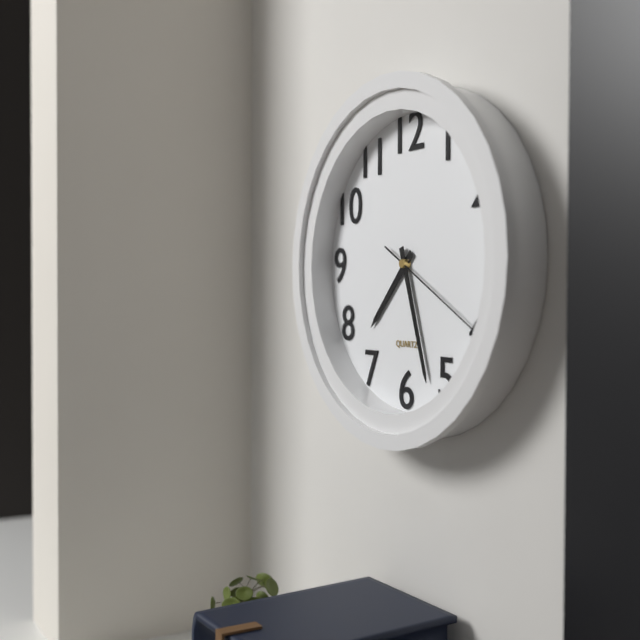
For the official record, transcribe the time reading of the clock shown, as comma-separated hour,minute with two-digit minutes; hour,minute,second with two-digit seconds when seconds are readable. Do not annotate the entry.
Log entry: 7,27,20
